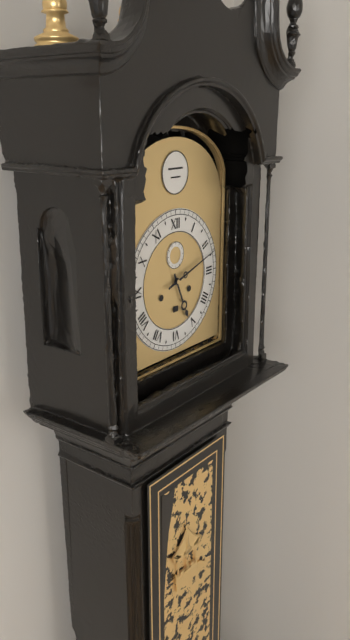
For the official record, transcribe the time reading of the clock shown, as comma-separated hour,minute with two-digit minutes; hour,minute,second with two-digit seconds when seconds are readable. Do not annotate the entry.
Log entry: 5,12
